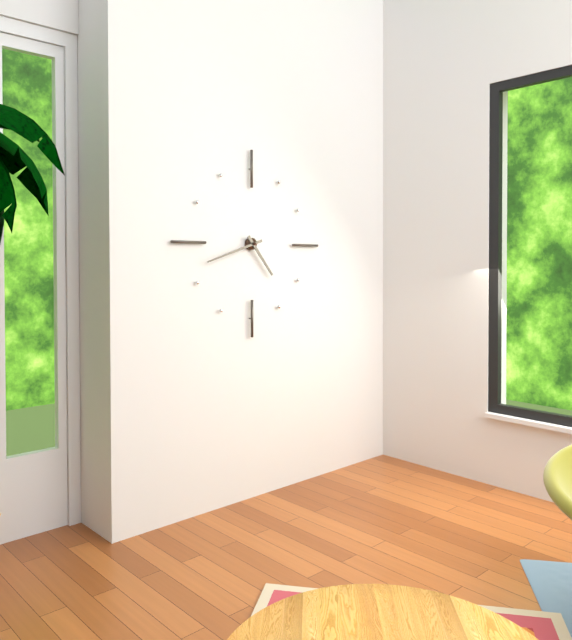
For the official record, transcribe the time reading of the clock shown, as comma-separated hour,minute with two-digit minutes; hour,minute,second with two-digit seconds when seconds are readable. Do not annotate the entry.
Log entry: 4,42
